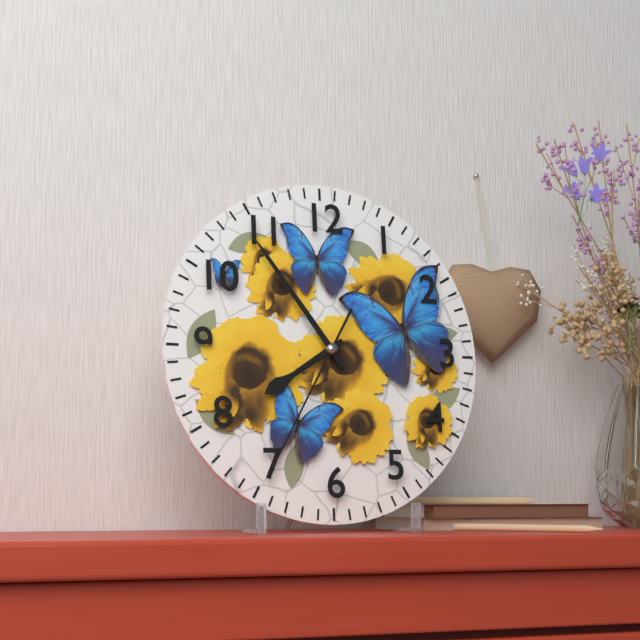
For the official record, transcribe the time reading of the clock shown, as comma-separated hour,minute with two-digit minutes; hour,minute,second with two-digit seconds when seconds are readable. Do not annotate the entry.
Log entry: 7,54,35
